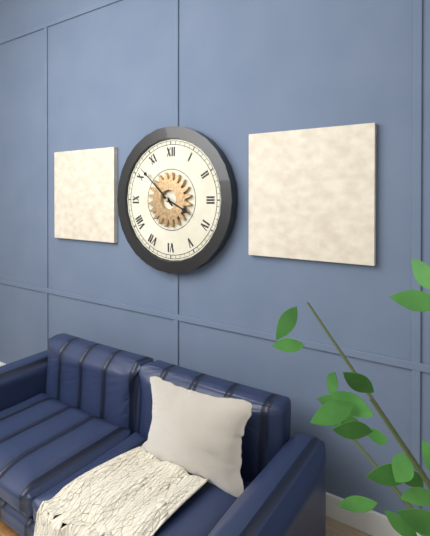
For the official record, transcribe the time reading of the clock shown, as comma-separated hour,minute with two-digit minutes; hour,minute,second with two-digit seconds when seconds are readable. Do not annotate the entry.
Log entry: 3,52
